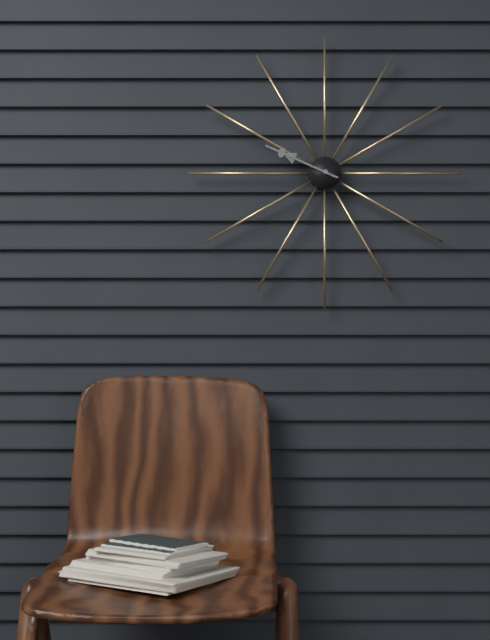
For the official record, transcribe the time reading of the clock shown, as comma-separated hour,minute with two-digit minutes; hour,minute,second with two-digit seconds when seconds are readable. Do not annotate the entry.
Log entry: 9,49
